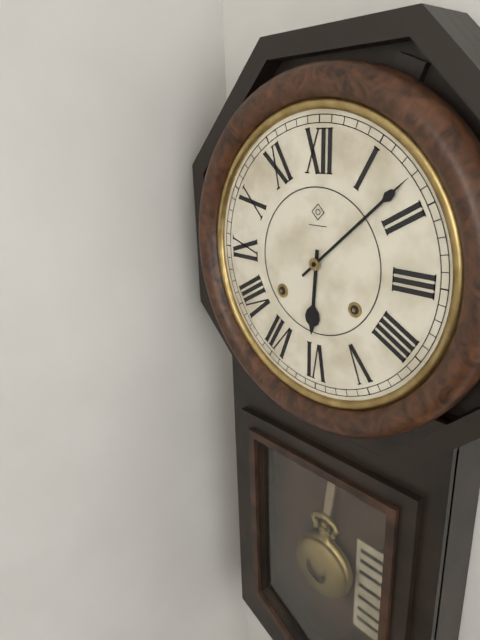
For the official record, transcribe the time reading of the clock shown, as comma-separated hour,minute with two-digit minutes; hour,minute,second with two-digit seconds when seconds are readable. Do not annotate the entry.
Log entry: 6,08
